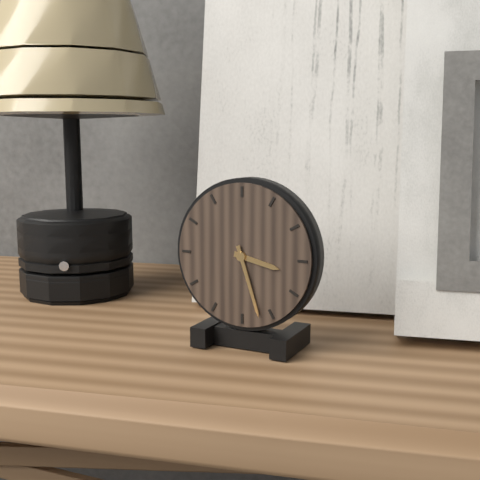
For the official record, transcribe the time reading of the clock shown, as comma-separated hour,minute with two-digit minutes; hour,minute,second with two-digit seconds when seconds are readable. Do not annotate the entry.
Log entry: 3,27
